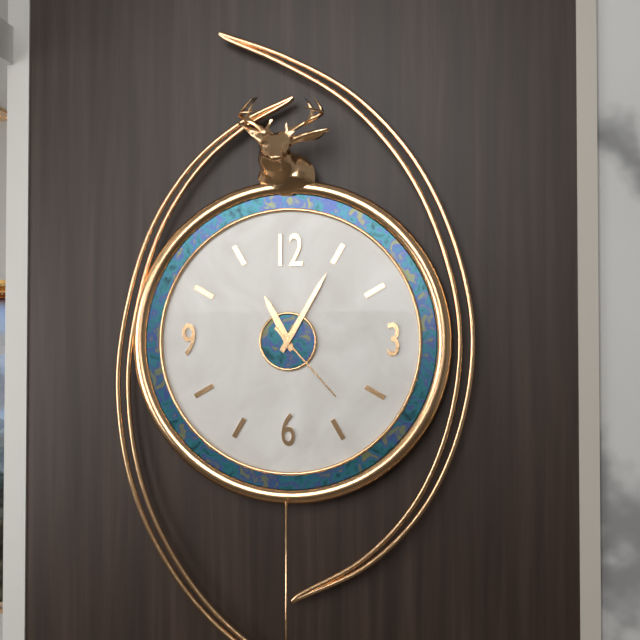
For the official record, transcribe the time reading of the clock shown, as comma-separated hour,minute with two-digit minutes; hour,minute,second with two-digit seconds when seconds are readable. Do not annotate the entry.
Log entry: 11,05,23
